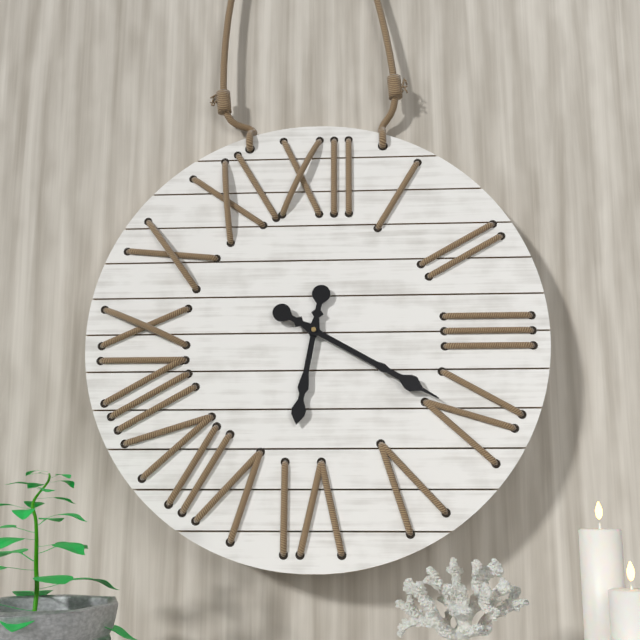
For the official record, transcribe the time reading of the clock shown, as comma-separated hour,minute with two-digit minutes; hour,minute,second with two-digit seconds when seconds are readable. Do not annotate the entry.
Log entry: 6,20
